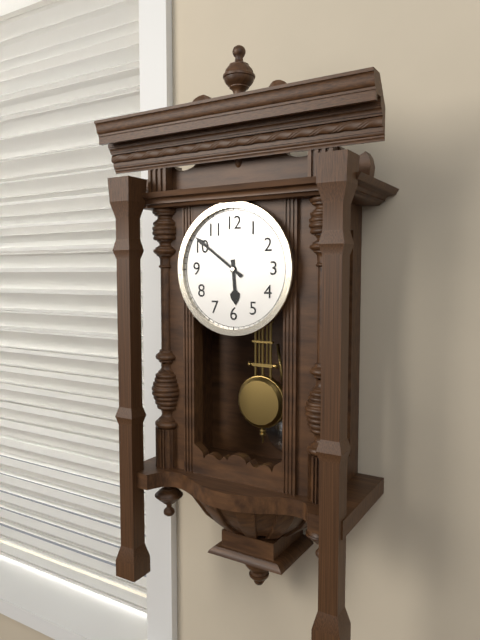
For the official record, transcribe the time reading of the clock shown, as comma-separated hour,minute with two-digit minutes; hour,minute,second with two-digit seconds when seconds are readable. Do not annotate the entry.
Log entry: 5,51
